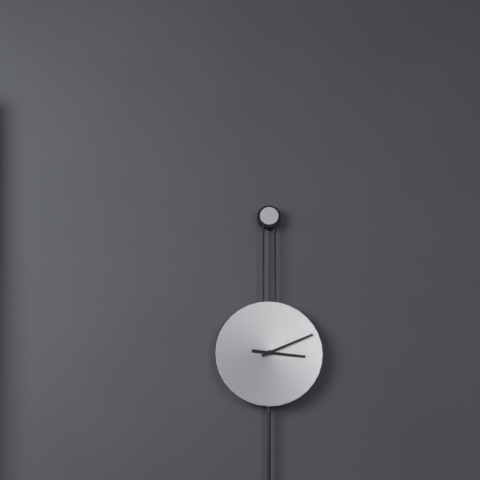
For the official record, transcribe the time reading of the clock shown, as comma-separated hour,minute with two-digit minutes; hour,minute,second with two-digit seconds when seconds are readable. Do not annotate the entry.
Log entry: 3,11
